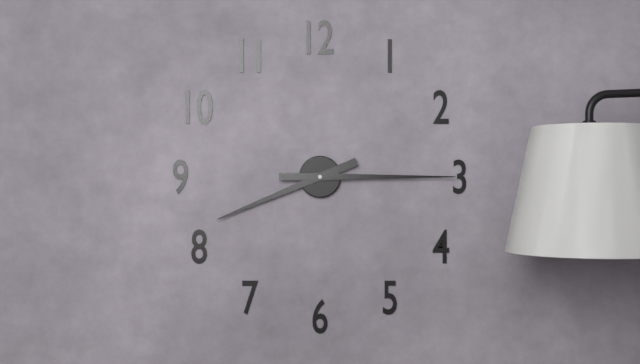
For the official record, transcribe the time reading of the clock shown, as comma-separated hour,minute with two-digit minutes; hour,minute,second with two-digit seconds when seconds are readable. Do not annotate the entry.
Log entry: 8,15
